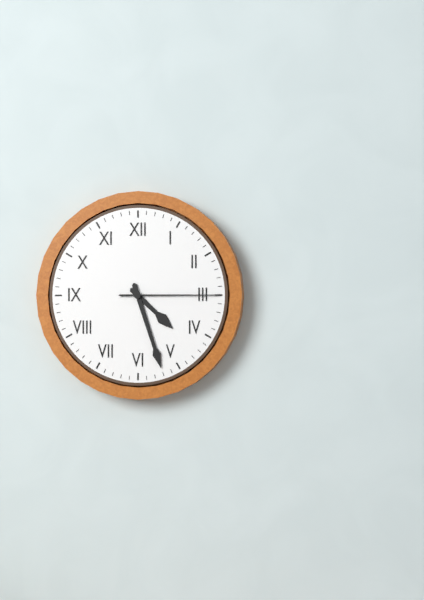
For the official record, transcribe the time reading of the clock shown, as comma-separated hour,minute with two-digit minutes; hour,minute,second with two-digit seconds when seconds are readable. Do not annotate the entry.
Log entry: 4,27,15
